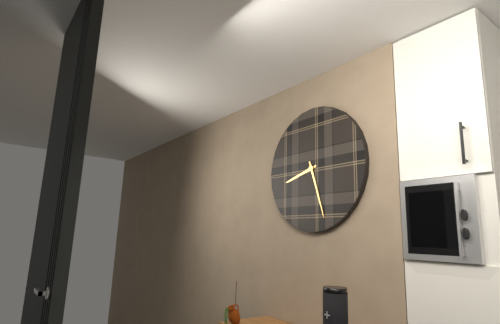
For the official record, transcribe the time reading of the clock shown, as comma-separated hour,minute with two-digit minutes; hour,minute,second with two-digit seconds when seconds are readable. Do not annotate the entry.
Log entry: 8,27
